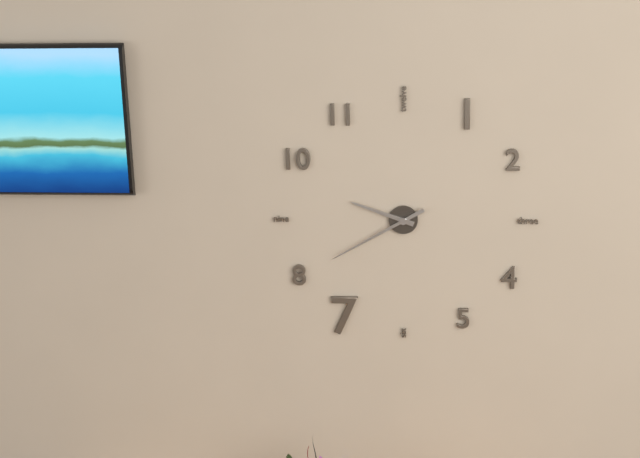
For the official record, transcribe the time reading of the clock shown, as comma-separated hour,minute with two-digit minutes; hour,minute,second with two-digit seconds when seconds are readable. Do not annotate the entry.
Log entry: 9,40
